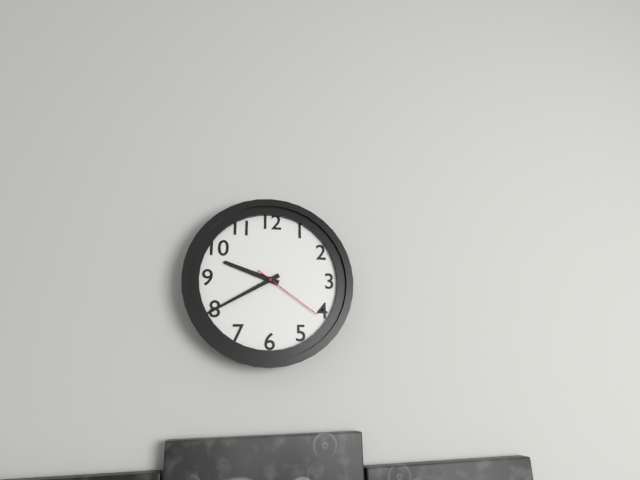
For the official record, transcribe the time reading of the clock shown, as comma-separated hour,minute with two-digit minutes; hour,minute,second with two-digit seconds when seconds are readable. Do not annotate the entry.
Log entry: 9,40,21
